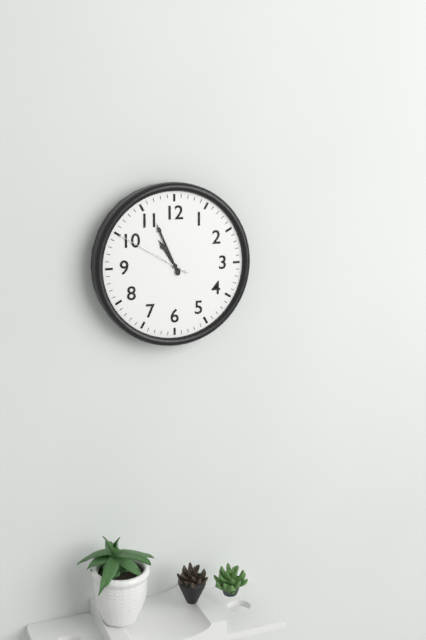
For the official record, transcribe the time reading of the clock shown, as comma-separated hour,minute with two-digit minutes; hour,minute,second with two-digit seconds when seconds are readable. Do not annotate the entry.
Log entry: 10,56,50
